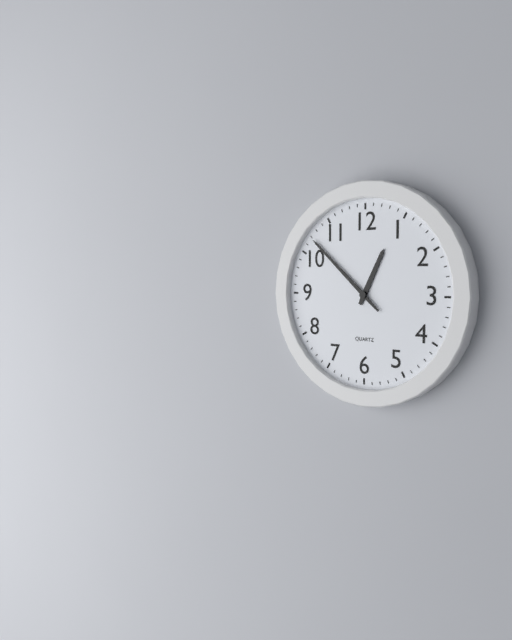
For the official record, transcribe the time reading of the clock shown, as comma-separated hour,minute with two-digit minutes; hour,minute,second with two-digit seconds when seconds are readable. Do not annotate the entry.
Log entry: 12,52
